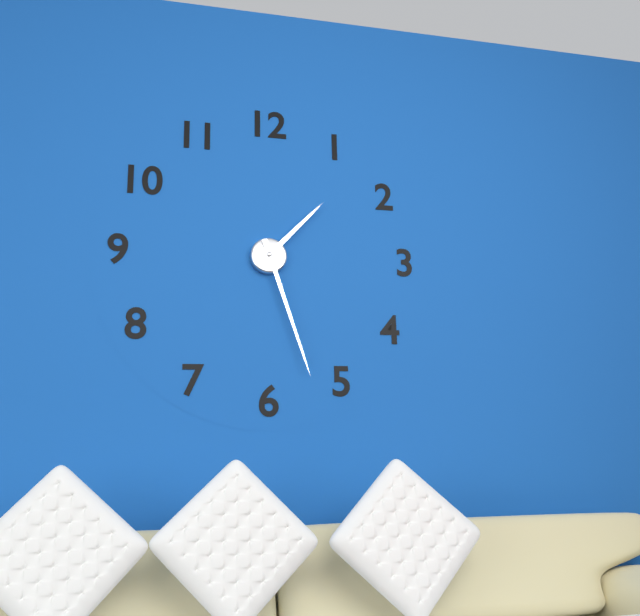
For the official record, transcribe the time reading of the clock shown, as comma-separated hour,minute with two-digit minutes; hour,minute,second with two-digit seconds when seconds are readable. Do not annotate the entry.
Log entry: 1,27
